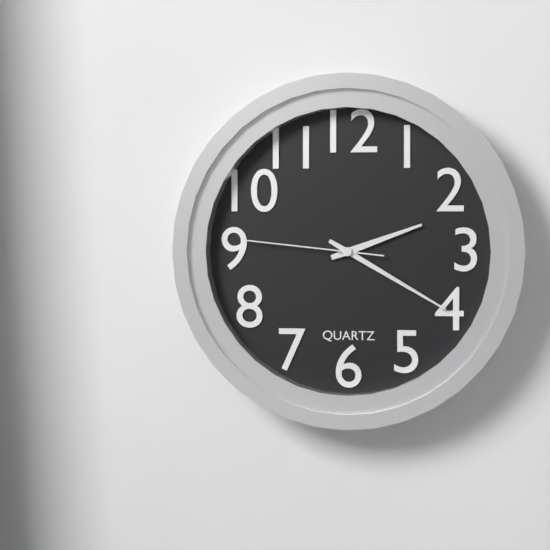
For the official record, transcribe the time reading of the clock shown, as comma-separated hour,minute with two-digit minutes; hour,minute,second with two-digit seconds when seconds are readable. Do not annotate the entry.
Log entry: 2,20,46
